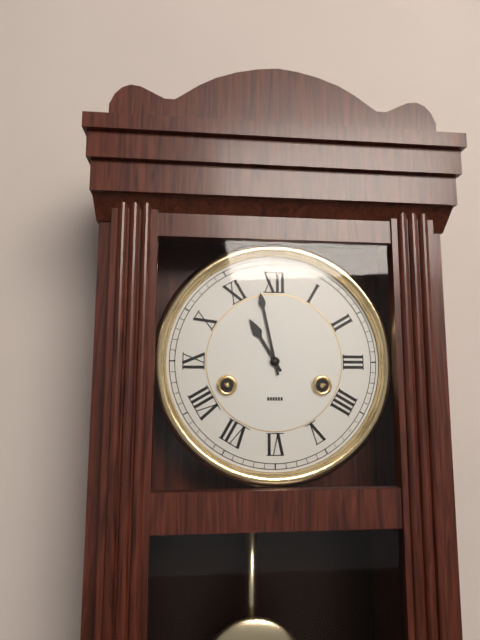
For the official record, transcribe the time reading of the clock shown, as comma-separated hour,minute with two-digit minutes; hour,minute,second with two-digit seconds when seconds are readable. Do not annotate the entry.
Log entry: 10,58
